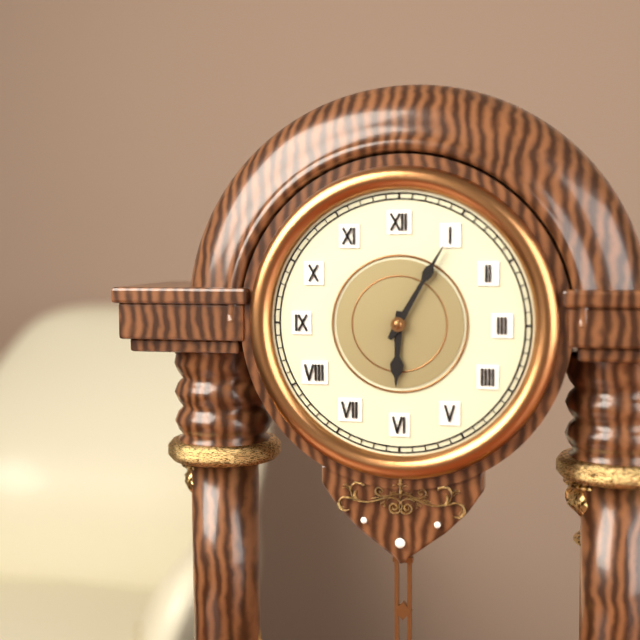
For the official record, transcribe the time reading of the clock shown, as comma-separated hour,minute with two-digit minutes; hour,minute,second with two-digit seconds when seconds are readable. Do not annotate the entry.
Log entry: 6,05
